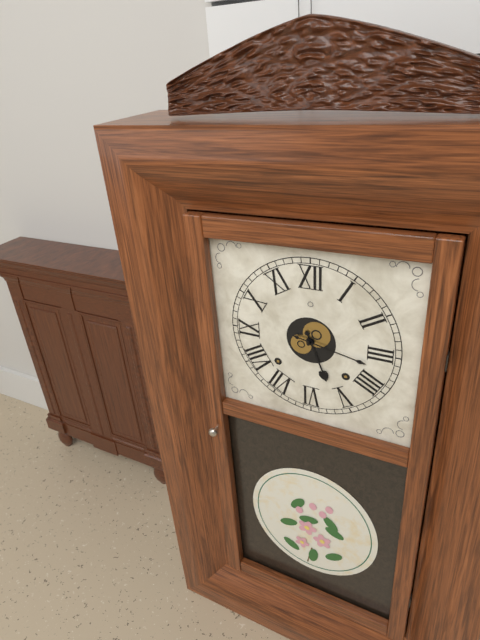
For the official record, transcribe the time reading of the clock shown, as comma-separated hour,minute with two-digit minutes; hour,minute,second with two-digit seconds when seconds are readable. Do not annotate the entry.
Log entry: 5,17
